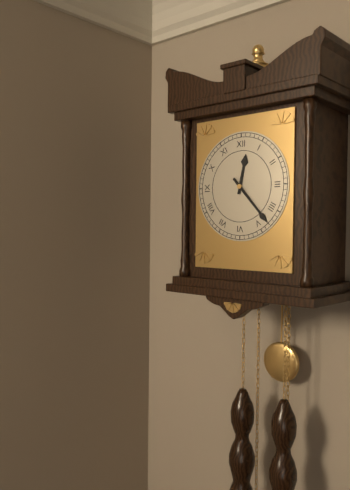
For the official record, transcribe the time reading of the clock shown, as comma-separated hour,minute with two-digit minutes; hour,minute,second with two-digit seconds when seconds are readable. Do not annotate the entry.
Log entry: 12,23
